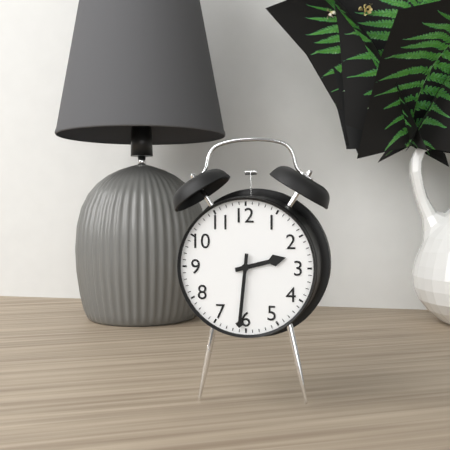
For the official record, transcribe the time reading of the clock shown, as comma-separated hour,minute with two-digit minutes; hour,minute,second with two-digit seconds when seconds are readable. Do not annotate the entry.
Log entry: 2,31
